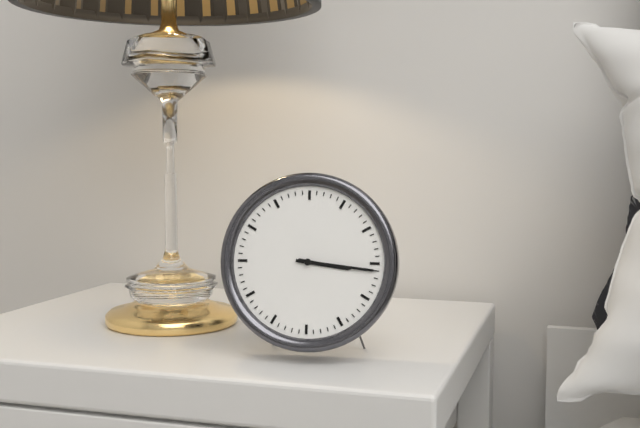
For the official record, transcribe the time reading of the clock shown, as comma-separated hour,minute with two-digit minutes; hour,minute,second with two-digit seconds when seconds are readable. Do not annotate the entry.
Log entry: 3,16
